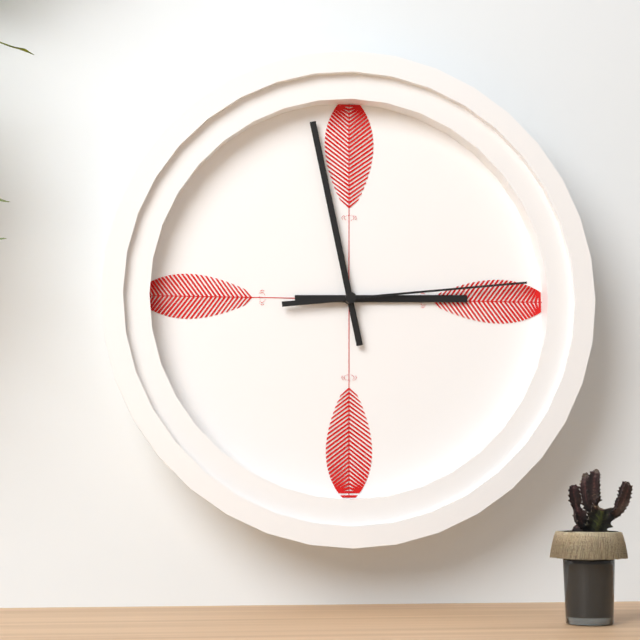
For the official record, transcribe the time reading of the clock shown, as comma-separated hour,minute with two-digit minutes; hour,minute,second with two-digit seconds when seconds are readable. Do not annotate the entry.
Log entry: 2,58,14
